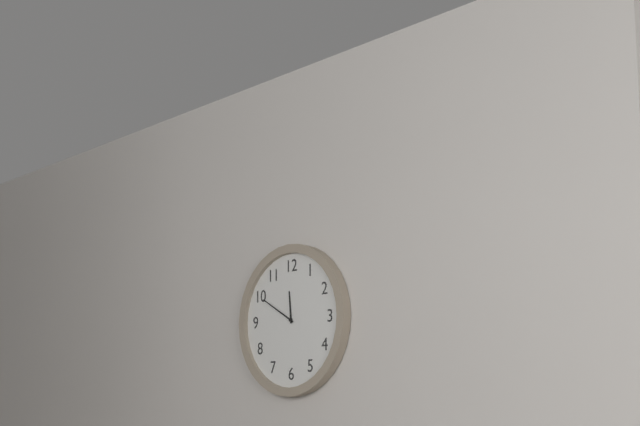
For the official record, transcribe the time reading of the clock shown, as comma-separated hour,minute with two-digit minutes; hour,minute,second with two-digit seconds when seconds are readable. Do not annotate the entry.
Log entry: 11,50
